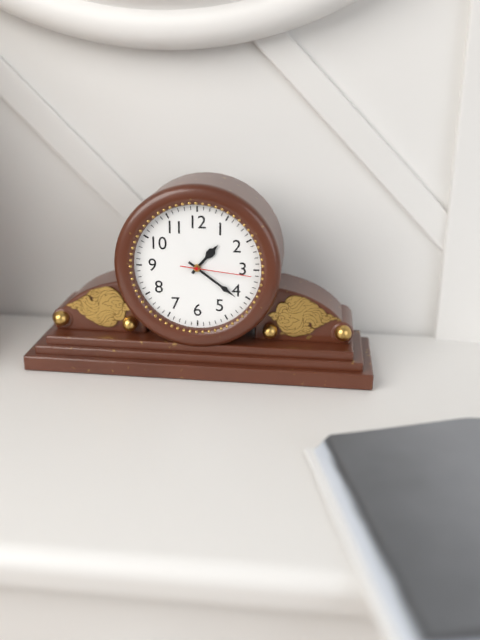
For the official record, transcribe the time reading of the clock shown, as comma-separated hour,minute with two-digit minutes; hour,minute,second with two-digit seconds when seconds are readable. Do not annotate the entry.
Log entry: 1,21,16
